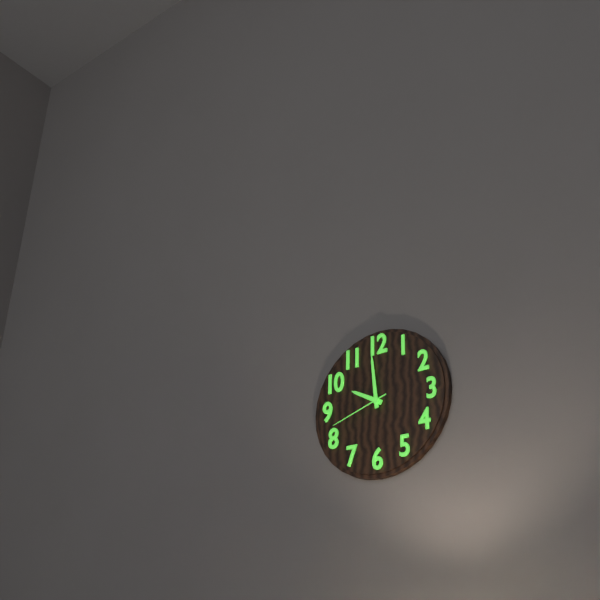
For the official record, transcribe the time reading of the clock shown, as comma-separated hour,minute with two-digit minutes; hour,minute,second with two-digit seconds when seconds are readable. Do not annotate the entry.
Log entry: 9,59,42
